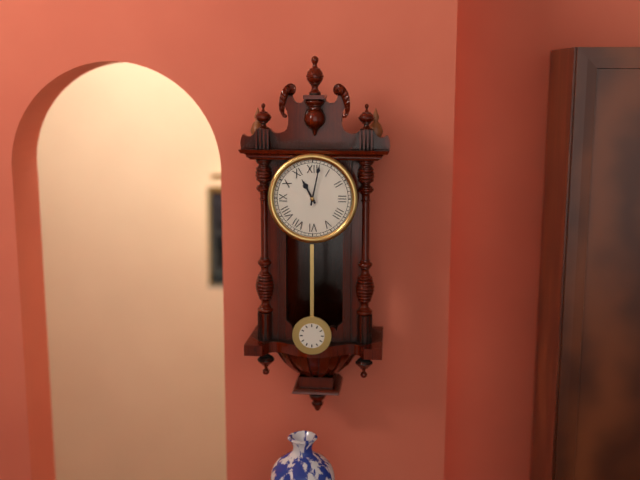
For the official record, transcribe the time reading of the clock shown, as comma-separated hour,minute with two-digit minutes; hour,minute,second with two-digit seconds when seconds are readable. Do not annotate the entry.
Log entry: 11,02
